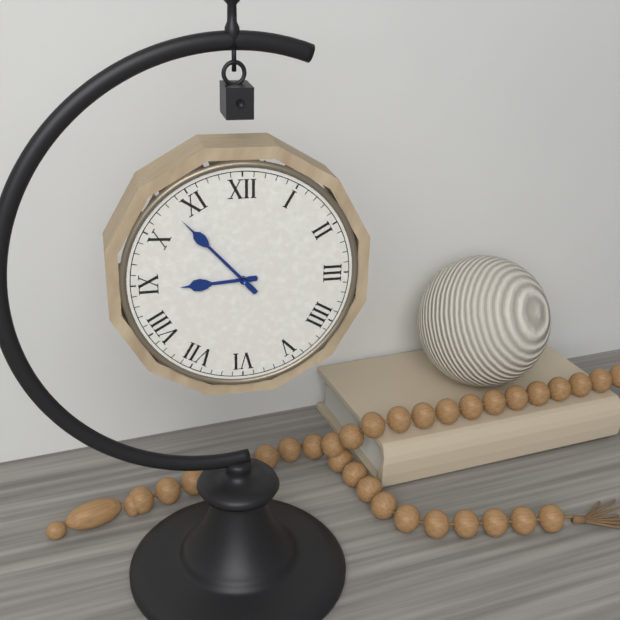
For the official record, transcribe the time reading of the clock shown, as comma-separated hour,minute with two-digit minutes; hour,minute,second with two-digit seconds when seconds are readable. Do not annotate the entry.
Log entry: 8,53
